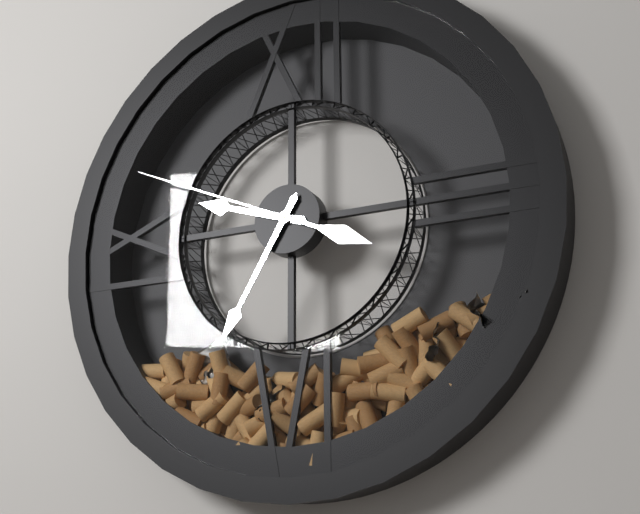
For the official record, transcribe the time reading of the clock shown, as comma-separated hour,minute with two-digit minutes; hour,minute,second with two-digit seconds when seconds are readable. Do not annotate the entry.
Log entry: 9,35,49
